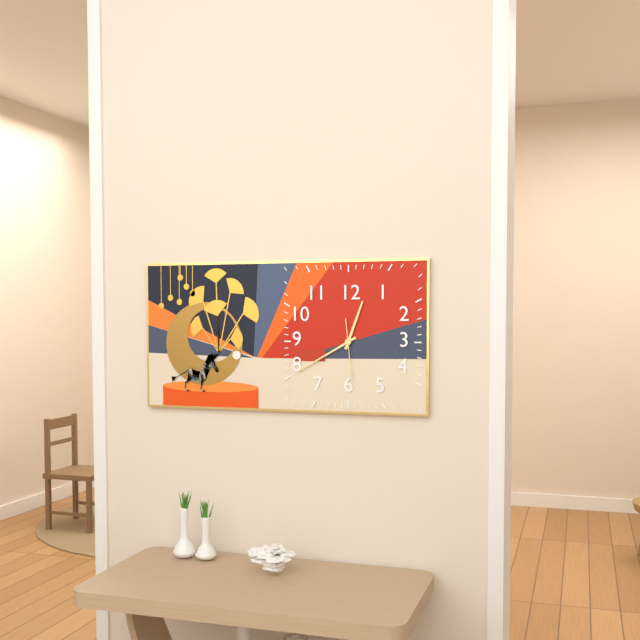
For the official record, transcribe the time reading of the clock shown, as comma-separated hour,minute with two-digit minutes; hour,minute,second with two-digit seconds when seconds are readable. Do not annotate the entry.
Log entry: 12,40,29
